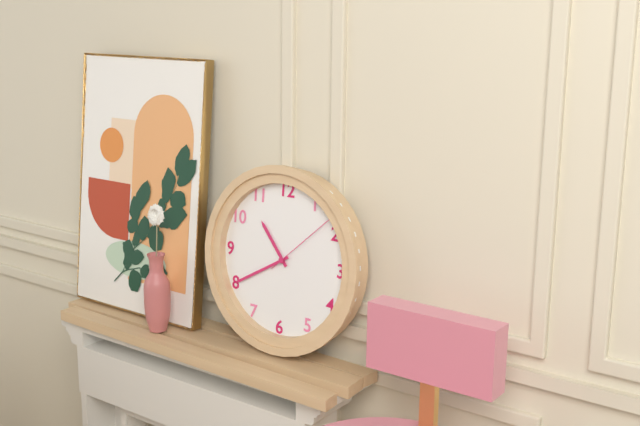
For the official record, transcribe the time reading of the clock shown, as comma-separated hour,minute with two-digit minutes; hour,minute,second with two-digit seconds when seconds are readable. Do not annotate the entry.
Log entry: 10,40,08
